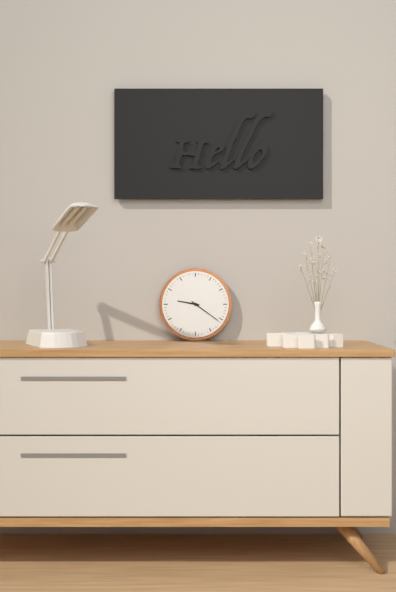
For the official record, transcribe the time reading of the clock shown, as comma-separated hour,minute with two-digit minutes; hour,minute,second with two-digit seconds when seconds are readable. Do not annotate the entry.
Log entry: 9,21
